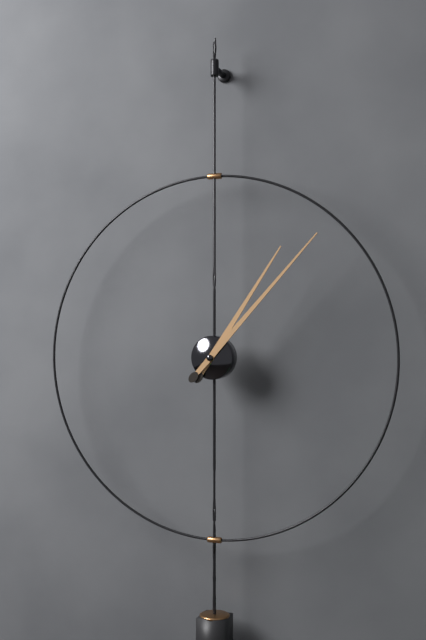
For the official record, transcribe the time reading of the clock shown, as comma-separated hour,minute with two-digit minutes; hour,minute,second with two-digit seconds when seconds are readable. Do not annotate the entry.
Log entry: 1,07
